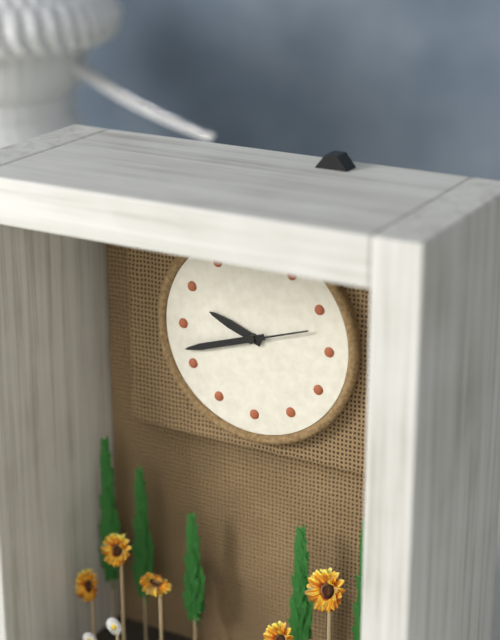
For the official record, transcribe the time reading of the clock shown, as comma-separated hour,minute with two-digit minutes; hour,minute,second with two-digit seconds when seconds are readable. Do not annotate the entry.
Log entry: 9,42,12
